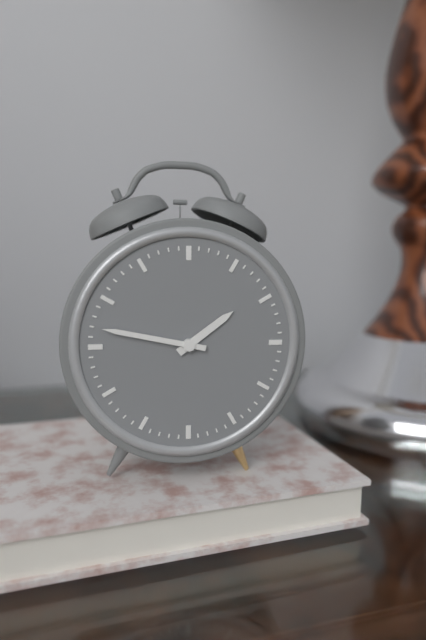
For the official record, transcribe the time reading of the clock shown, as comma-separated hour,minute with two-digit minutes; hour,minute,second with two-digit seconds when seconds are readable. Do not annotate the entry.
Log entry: 1,47
